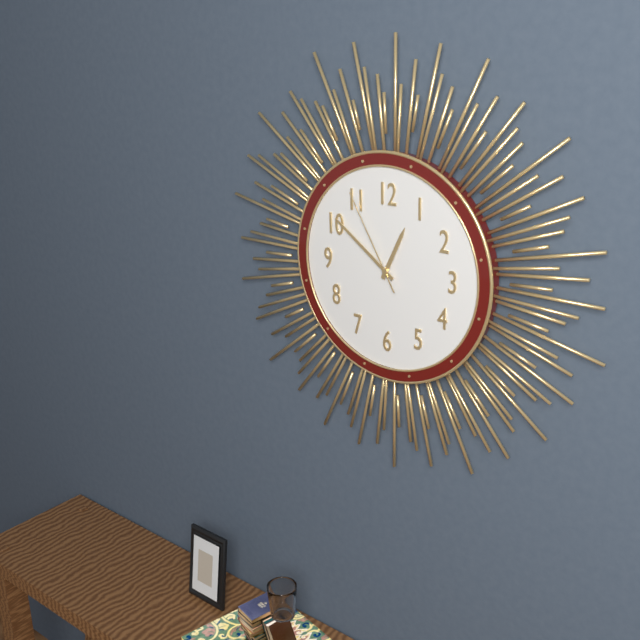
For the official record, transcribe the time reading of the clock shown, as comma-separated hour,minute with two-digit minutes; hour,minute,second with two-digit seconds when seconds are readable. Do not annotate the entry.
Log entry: 12,51,55
